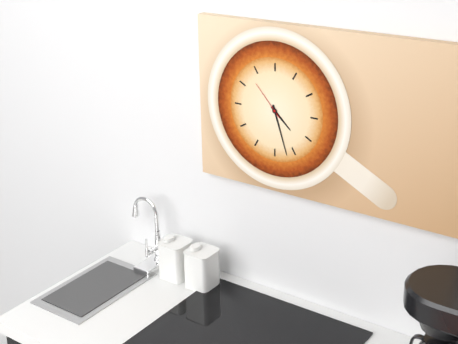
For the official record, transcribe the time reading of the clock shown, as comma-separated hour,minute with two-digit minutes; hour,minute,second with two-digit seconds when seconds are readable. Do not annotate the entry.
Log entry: 4,27
